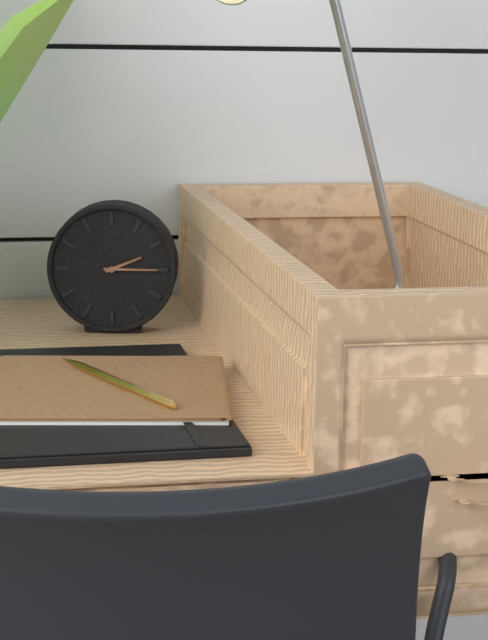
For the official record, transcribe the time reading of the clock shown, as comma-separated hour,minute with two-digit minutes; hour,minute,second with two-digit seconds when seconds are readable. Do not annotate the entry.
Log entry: 2,15
